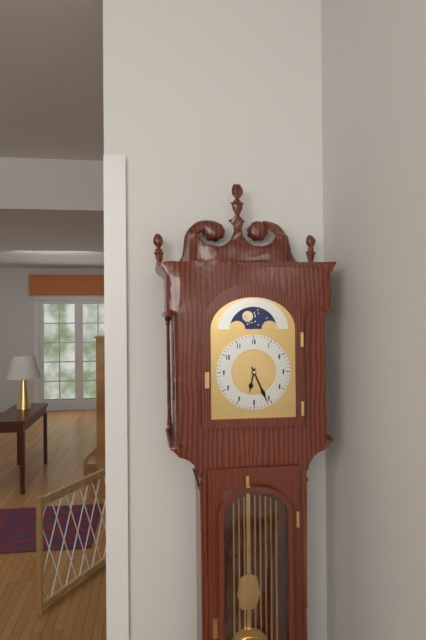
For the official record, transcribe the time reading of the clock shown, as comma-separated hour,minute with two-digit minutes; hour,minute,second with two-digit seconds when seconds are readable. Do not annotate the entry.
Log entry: 6,26
